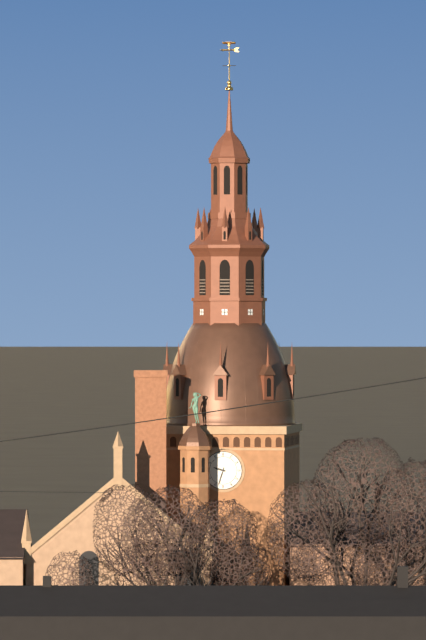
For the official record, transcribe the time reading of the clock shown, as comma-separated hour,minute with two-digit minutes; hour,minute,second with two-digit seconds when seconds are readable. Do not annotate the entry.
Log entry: 9,33
